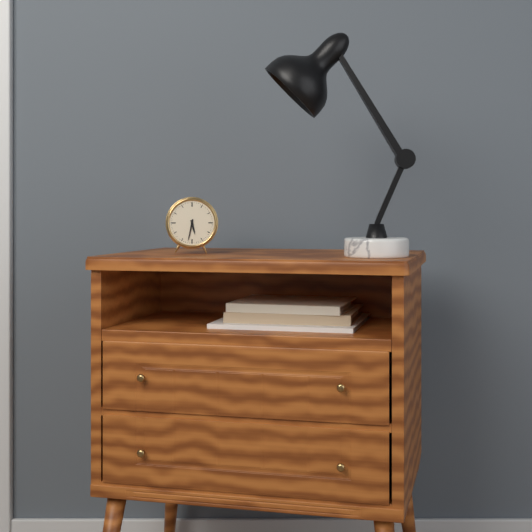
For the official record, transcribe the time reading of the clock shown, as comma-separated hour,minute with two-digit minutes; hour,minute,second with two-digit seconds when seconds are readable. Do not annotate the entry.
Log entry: 5,32
